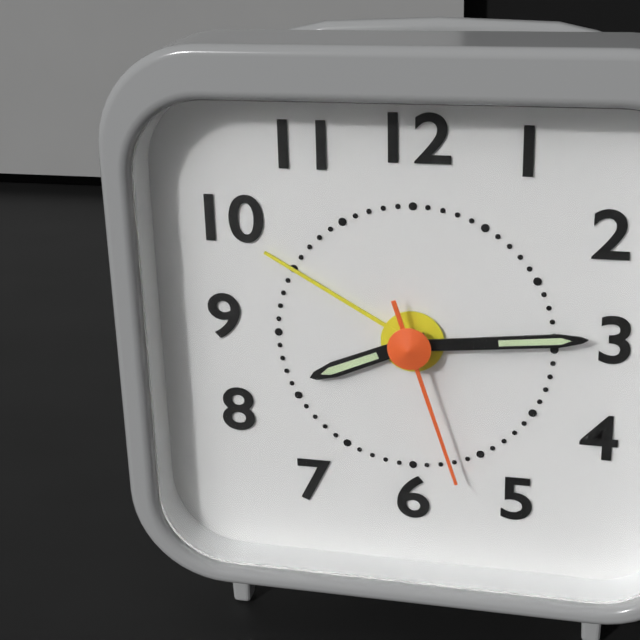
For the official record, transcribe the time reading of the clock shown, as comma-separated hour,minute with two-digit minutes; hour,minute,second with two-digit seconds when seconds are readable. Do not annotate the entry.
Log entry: 8,14,27
